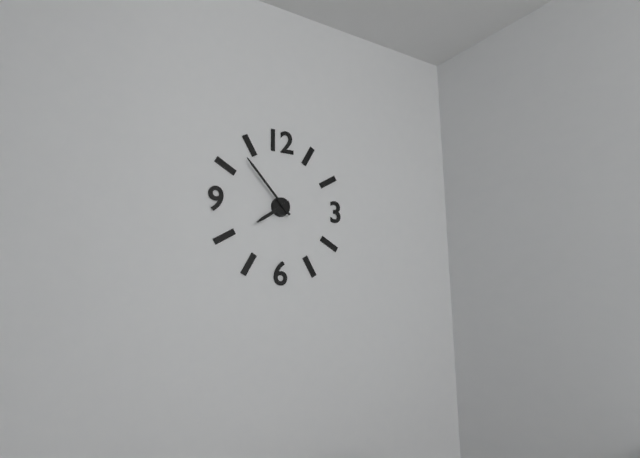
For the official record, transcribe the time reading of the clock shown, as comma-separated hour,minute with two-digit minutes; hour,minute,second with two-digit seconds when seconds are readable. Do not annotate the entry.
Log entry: 7,53
